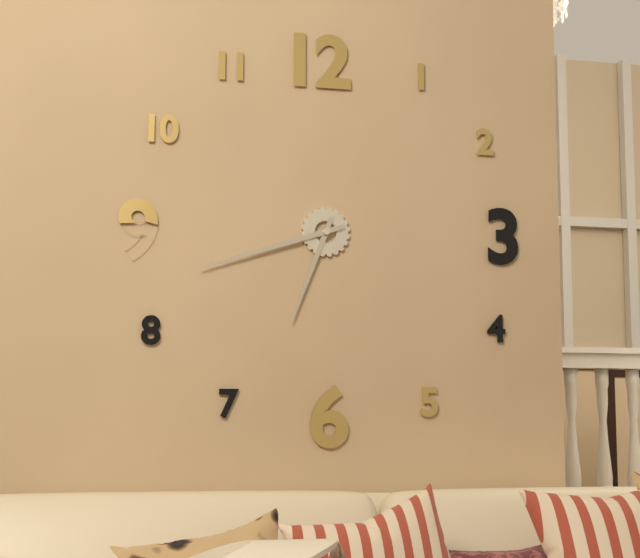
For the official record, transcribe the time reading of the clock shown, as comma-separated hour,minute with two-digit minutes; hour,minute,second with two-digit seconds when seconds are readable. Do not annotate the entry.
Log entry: 6,42
